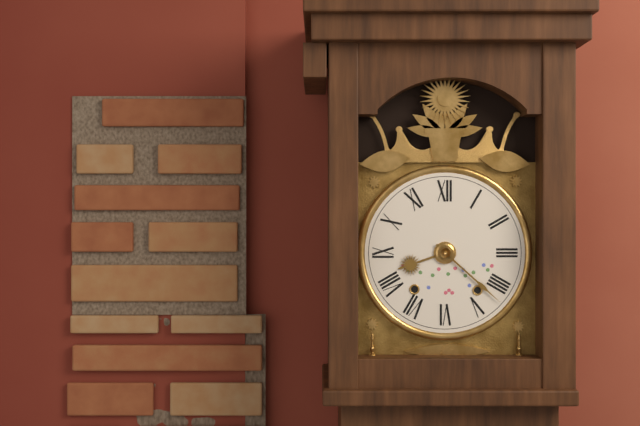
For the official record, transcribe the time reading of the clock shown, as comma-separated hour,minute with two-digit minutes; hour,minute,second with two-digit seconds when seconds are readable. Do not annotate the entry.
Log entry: 8,22
